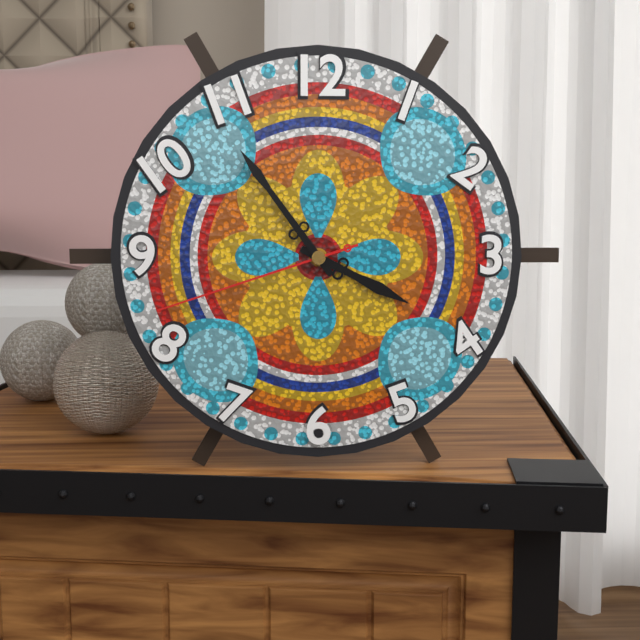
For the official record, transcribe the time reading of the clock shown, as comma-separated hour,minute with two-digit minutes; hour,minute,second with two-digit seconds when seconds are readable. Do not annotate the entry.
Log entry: 3,54,42
